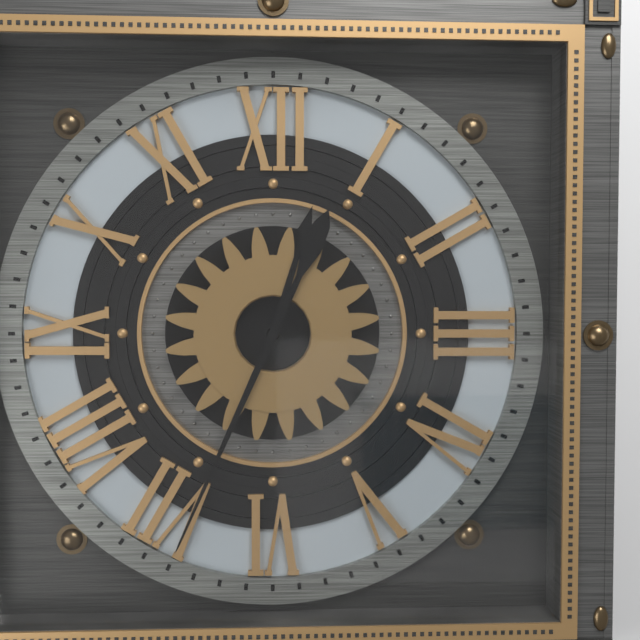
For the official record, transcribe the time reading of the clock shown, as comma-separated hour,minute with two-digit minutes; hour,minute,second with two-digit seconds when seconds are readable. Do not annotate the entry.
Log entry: 12,34
